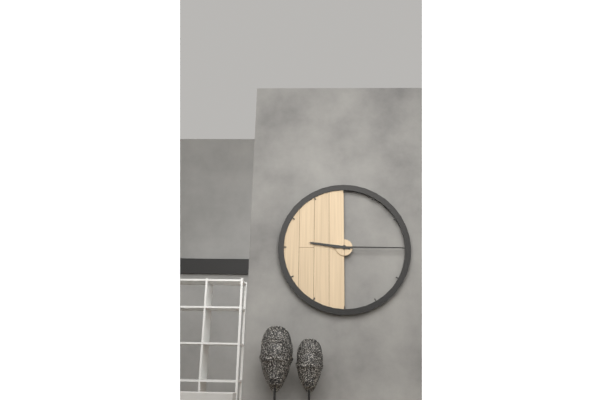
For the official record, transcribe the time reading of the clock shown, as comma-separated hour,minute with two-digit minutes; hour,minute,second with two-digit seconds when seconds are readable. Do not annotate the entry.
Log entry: 9,15
